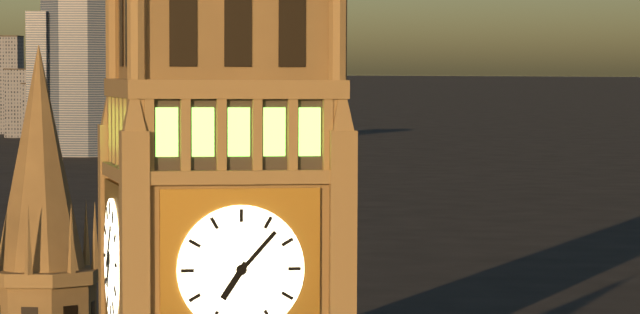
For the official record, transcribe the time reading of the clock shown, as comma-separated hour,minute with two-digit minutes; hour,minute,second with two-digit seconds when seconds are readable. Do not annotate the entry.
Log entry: 7,07
